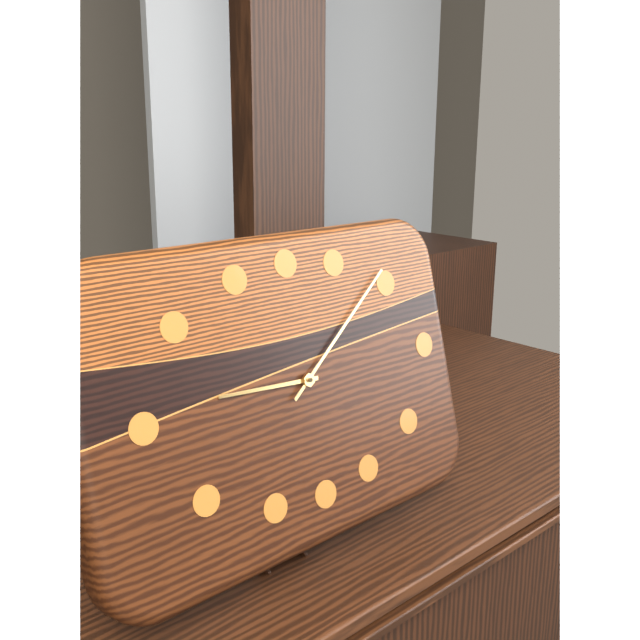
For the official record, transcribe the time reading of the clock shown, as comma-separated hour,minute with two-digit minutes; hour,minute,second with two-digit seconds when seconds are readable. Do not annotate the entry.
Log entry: 9,09
